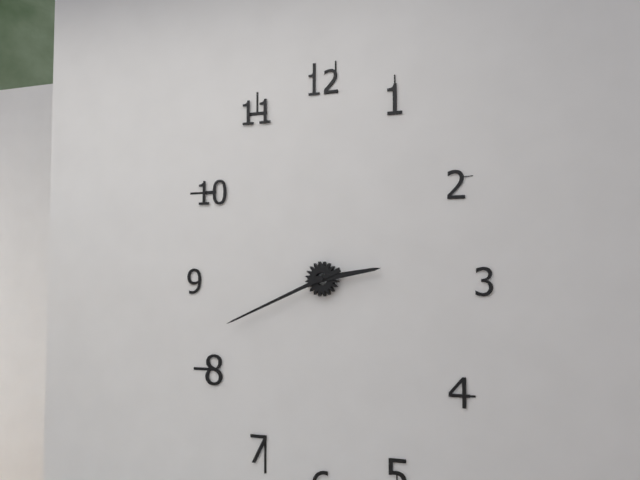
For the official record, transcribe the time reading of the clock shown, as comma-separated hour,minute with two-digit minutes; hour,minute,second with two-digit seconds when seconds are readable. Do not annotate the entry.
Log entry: 2,41
